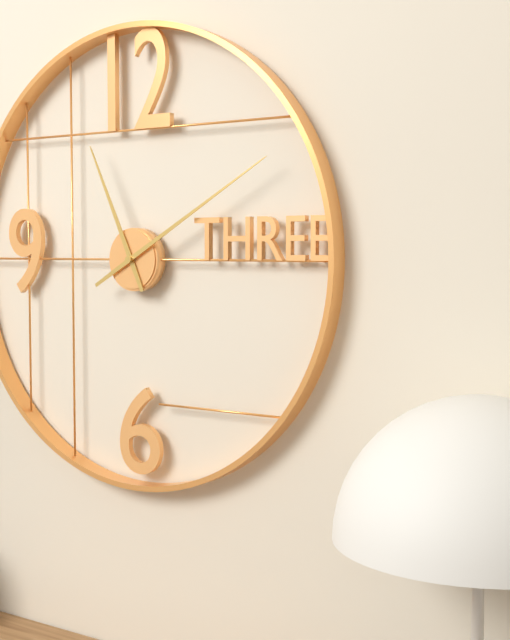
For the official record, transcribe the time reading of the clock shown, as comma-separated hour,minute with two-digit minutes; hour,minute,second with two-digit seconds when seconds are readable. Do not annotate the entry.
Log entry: 11,10
